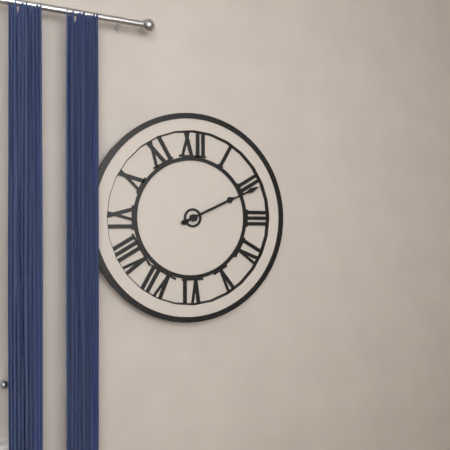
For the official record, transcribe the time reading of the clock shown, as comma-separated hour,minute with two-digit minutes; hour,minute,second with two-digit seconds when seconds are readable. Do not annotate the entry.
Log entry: 2,11
